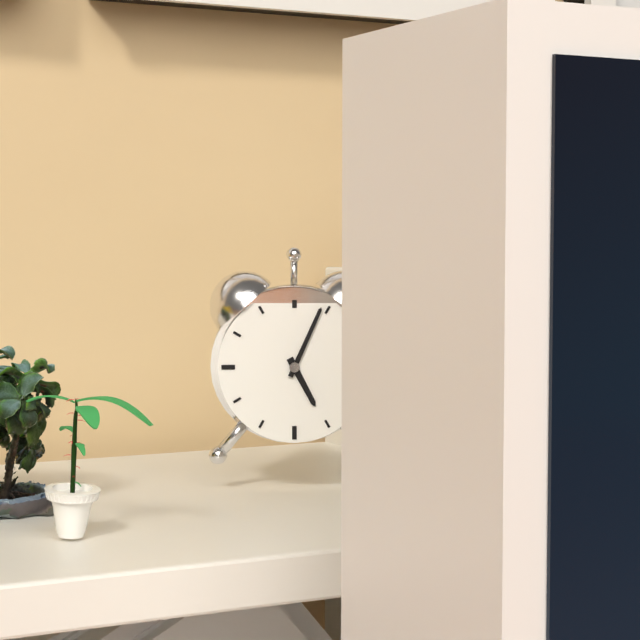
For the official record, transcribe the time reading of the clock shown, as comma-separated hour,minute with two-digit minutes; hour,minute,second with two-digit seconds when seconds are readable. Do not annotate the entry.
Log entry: 5,04
